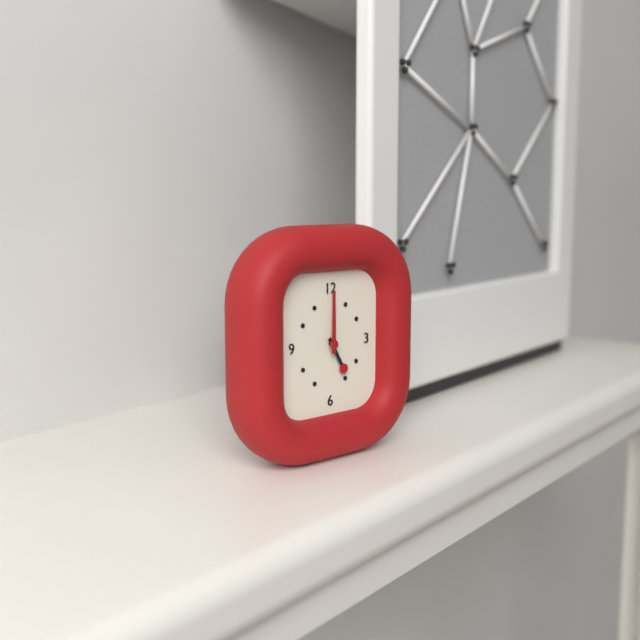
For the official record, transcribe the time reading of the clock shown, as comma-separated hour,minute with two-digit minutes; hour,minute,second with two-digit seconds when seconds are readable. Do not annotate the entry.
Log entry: 5,00
